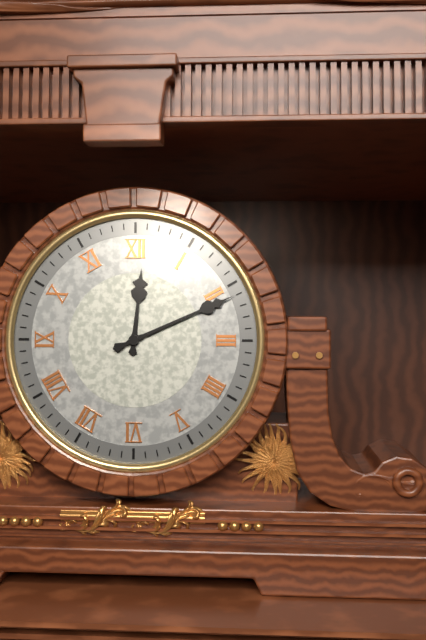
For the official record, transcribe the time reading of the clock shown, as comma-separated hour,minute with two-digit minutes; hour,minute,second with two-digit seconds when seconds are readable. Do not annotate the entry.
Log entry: 12,11
